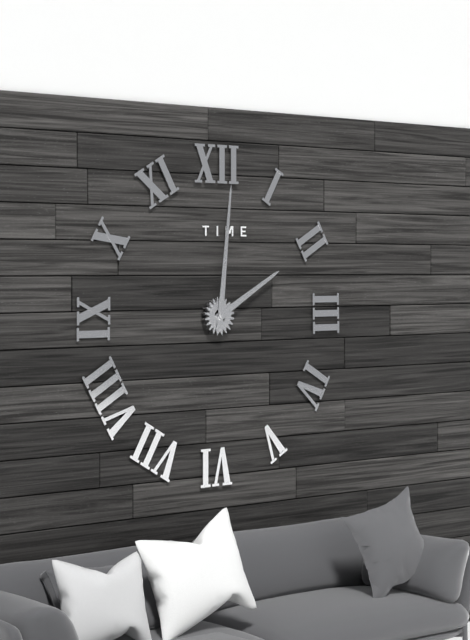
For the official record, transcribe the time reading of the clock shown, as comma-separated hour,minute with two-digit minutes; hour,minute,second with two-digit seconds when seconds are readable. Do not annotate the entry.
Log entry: 2,01
